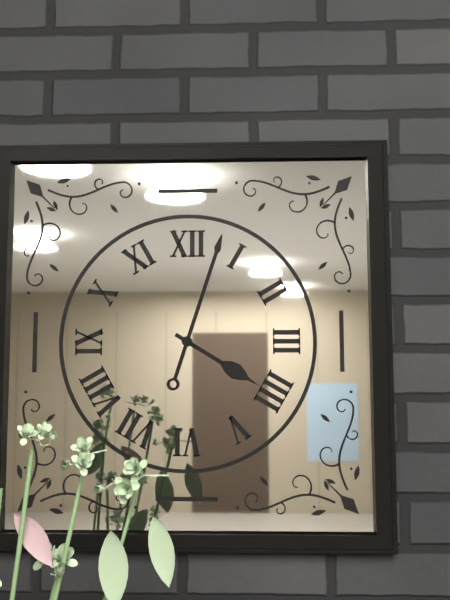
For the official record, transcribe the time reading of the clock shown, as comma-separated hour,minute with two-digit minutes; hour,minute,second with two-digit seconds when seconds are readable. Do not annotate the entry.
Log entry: 4,03
